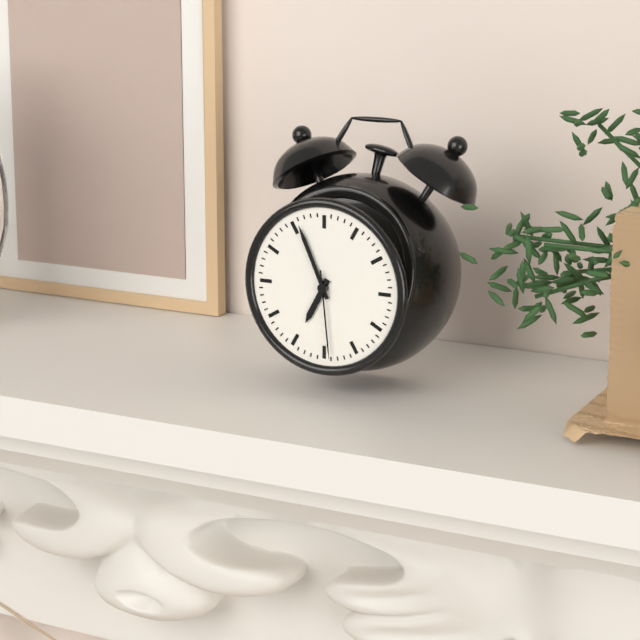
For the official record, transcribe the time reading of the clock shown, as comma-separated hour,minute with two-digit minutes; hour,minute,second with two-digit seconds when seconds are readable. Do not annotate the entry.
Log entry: 6,56,29
